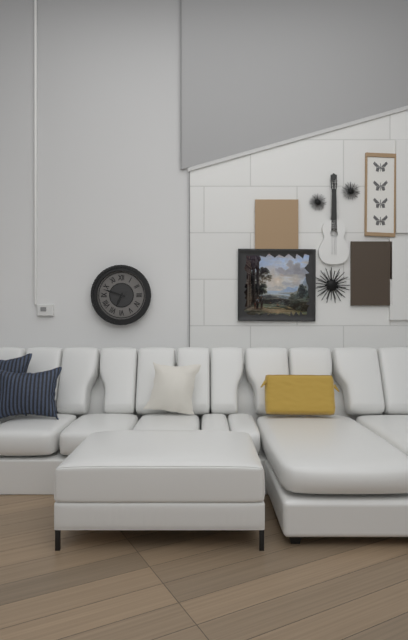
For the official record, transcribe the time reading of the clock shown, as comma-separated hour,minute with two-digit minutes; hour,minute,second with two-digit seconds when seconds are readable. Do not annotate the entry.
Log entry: 6,48
